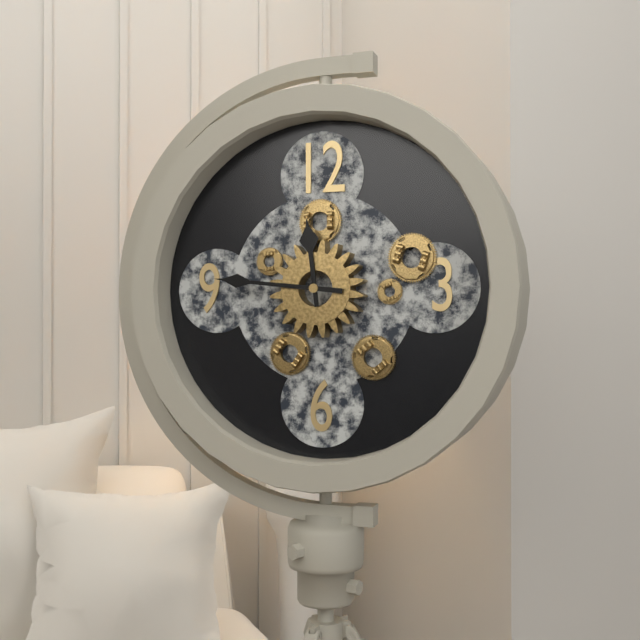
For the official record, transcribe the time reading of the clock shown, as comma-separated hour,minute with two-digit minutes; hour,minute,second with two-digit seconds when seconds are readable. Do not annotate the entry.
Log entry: 11,46
